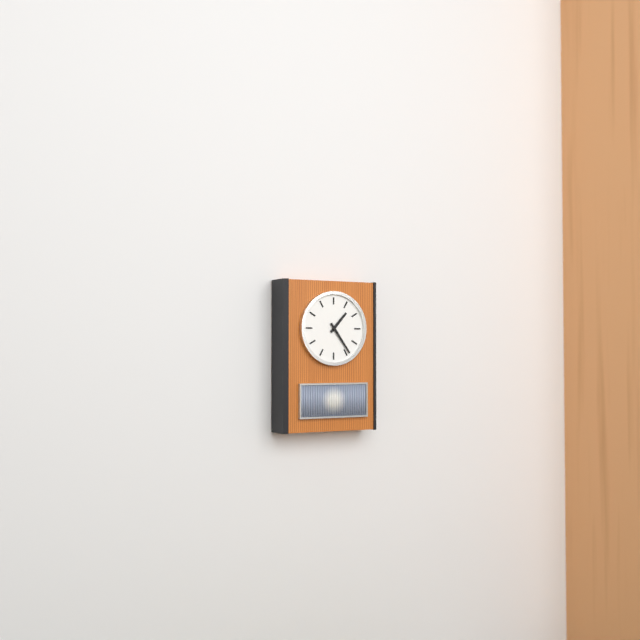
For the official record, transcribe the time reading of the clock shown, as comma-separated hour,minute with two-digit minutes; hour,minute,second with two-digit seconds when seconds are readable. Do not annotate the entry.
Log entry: 1,24
